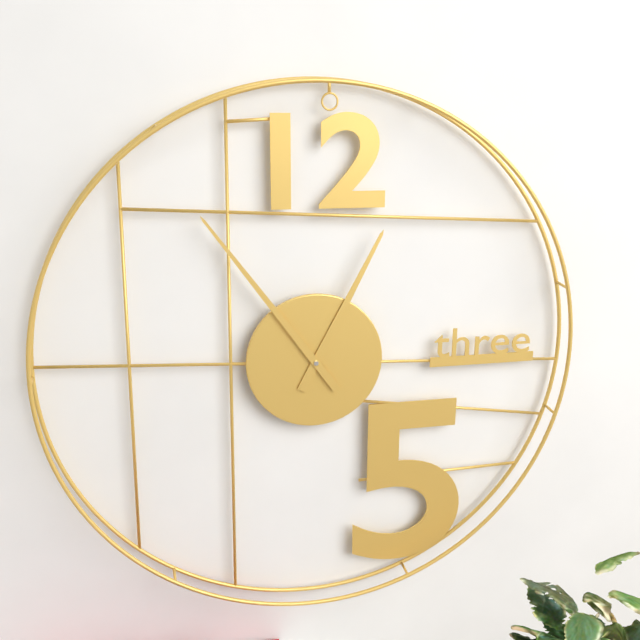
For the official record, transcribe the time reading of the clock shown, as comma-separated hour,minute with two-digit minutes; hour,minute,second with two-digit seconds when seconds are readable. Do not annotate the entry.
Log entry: 12,54
